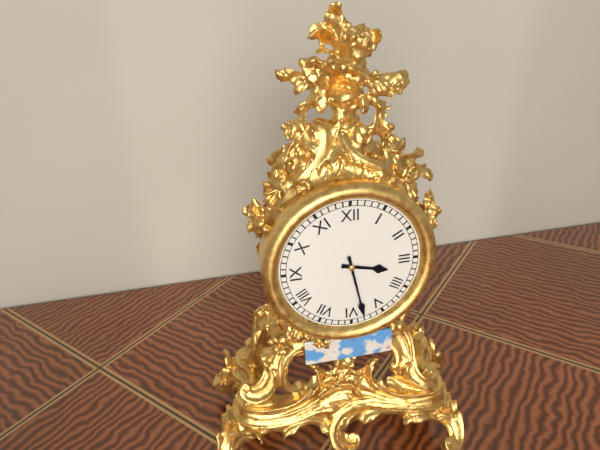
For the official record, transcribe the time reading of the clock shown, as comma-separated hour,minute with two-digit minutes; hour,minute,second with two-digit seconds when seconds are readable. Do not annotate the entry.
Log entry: 3,28
